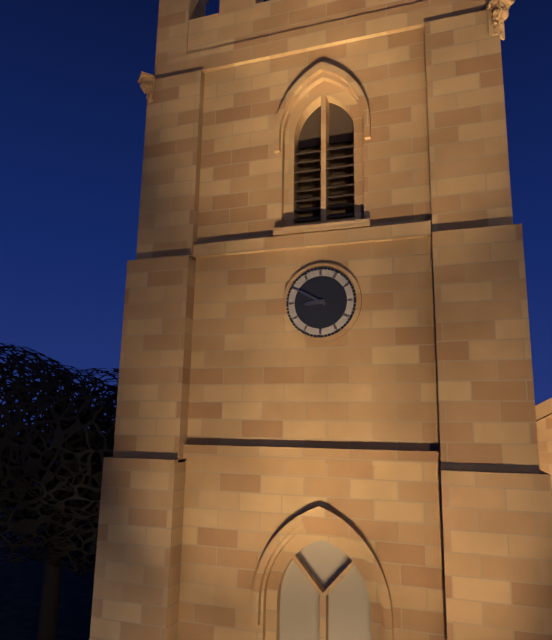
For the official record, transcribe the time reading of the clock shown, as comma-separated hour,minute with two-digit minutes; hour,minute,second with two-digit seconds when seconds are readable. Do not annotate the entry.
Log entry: 8,50
